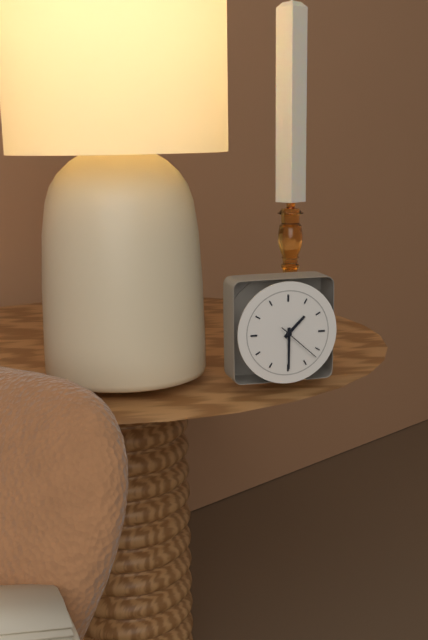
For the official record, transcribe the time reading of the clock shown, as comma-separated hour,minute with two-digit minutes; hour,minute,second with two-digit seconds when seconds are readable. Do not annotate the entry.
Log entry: 1,30,22
